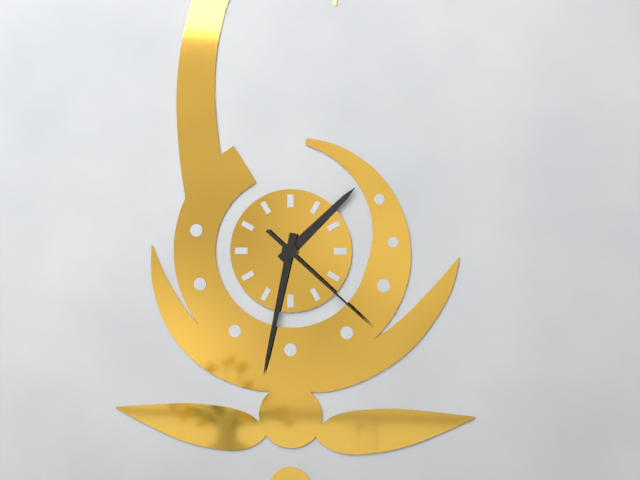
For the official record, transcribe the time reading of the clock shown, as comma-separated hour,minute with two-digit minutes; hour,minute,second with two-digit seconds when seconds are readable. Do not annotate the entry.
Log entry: 1,32,22
